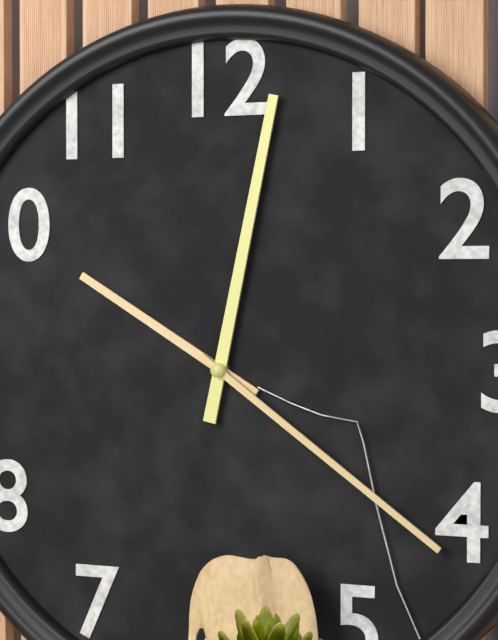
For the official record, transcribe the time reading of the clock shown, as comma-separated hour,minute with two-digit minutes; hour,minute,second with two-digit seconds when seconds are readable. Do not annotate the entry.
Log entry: 10,02,21
